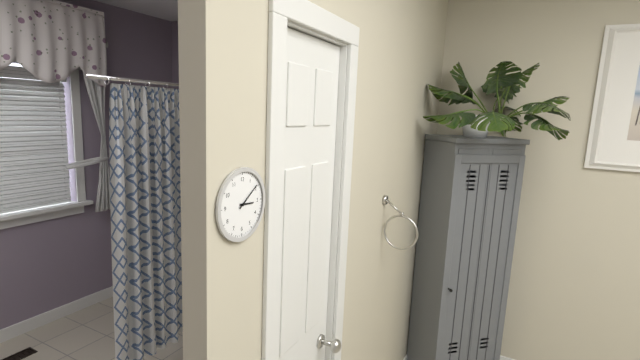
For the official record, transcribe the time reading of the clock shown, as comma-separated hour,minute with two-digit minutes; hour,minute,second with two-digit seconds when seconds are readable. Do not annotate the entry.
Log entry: 3,09
